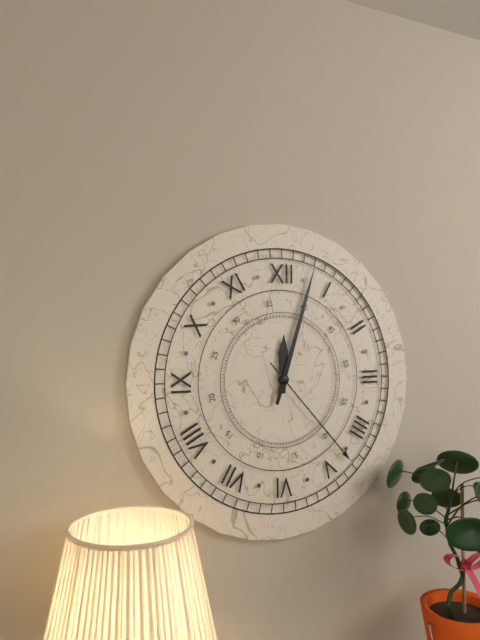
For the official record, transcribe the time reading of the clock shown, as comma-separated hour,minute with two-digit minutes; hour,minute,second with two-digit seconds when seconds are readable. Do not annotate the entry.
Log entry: 12,03,23
